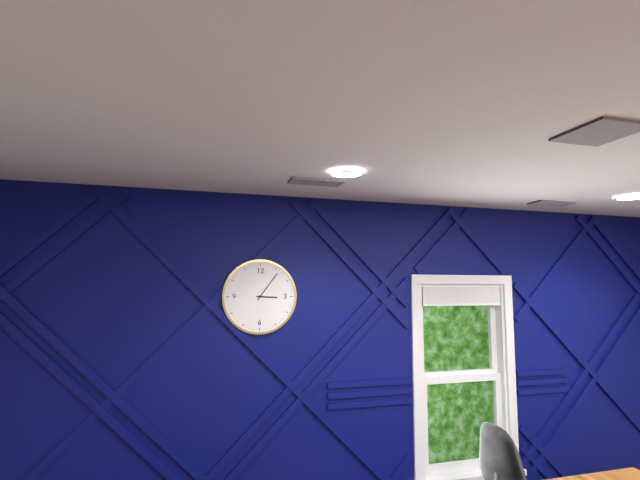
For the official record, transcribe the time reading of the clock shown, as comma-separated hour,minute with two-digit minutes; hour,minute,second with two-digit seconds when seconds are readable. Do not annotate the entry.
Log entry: 3,06
